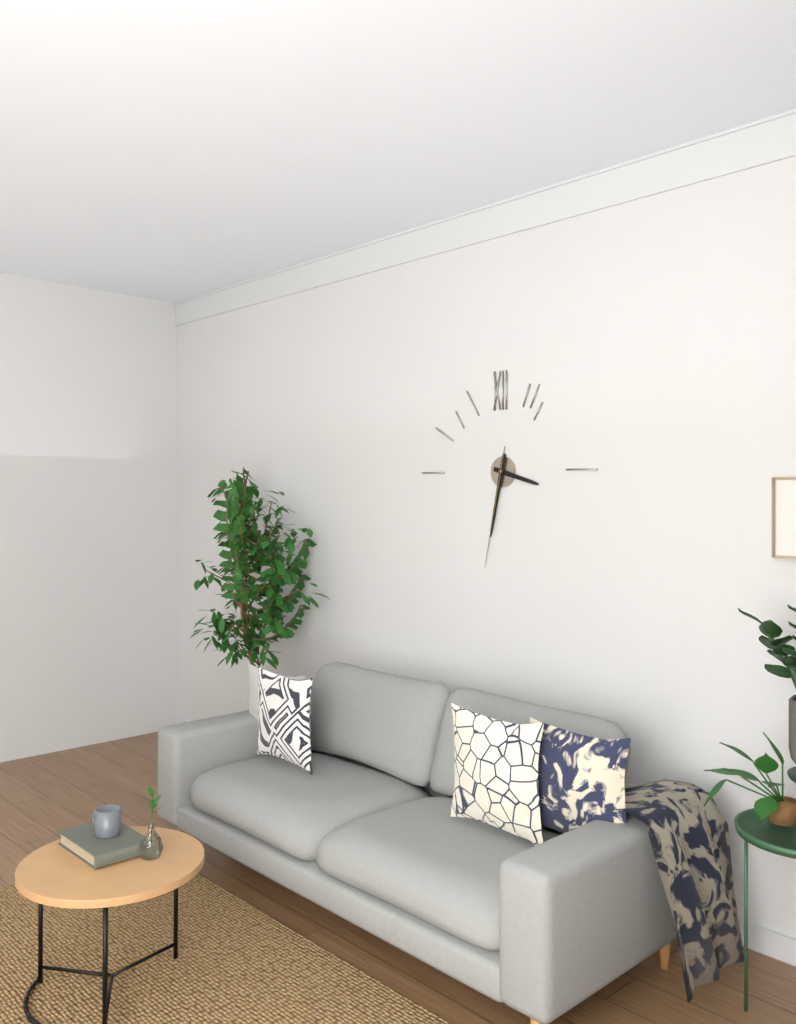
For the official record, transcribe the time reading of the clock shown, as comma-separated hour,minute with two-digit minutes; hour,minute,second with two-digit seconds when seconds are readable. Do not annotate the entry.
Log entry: 3,32,32
